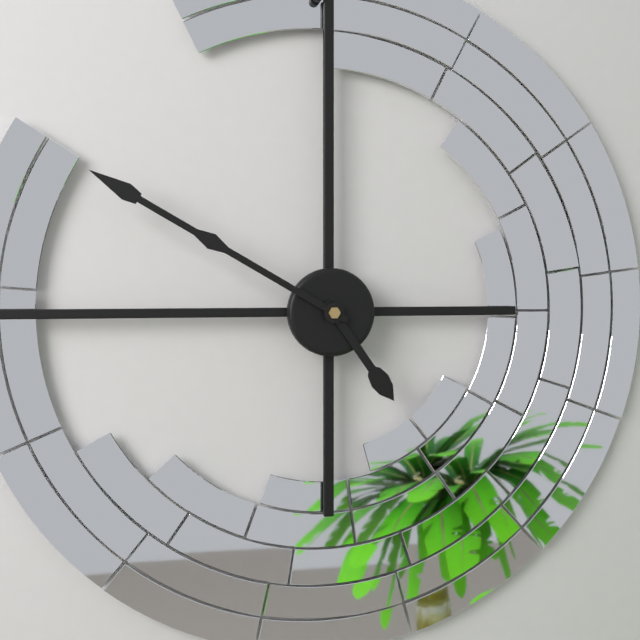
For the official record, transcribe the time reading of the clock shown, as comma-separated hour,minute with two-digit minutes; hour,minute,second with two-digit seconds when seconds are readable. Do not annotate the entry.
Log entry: 4,50
